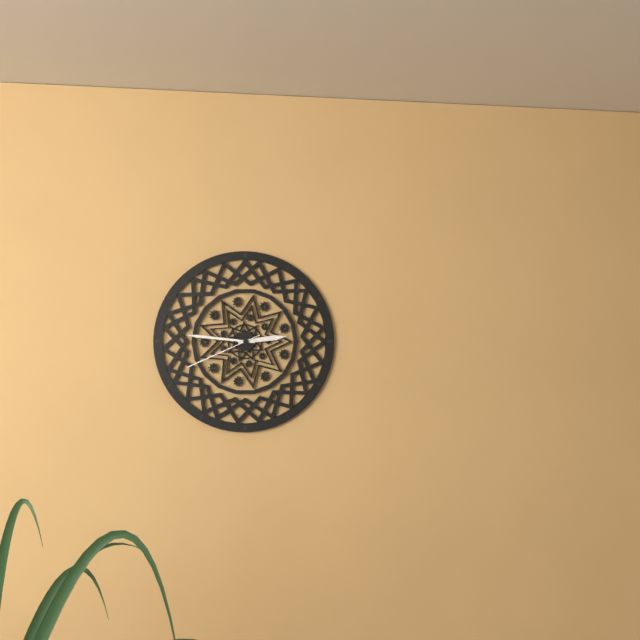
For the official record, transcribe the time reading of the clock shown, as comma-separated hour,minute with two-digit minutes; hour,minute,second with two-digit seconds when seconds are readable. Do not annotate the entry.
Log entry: 2,46,41
